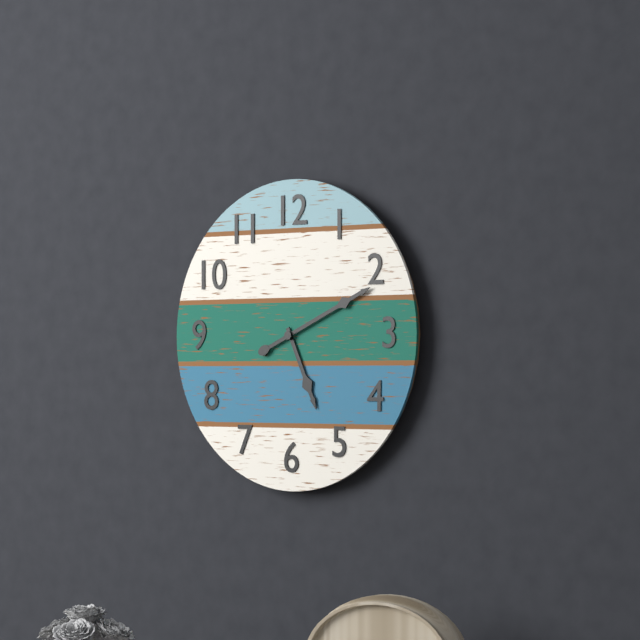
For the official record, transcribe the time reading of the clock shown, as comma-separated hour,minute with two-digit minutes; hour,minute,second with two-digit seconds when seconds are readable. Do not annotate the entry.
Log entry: 5,11
